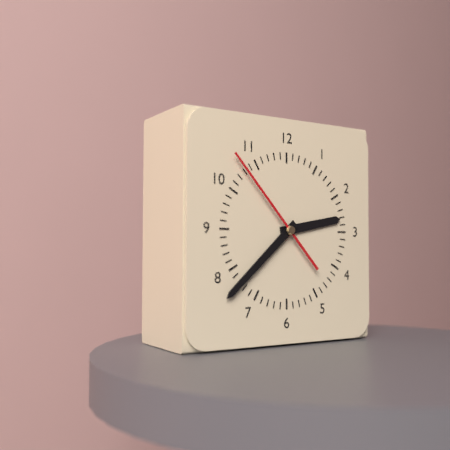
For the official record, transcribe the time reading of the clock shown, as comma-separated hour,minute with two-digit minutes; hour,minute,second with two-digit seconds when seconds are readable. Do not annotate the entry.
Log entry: 2,38,53
